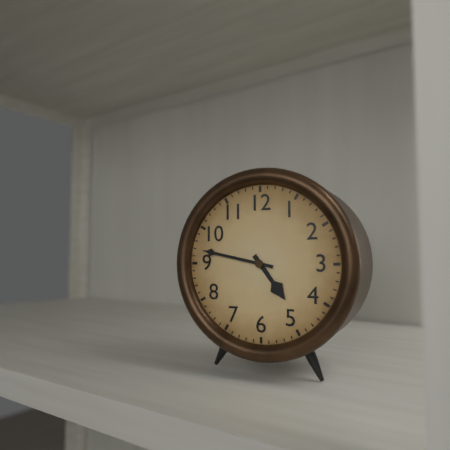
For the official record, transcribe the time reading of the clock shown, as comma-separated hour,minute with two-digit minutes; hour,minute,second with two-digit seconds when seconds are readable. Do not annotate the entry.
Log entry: 4,47
